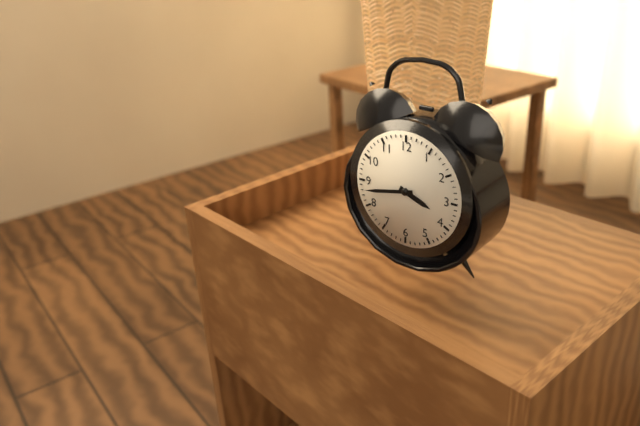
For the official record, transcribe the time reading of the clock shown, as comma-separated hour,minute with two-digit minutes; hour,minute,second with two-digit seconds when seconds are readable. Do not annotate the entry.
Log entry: 3,43
